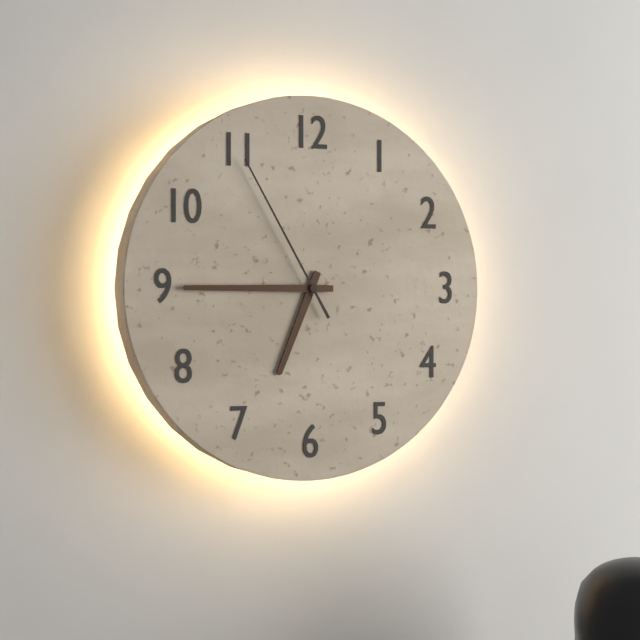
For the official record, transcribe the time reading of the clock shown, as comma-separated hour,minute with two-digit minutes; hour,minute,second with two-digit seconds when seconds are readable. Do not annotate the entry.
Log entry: 6,45,55
